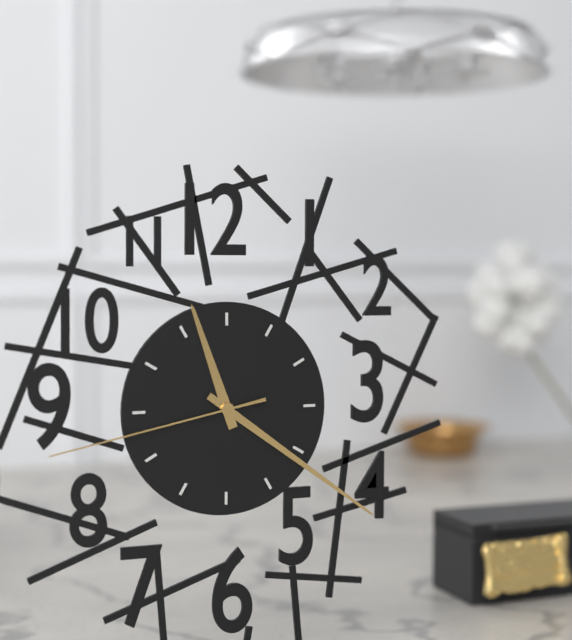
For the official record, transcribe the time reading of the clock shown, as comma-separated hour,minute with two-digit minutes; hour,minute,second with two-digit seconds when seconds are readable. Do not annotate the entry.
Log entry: 11,21,43
